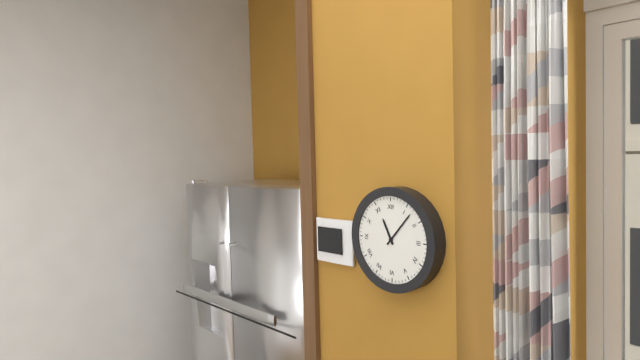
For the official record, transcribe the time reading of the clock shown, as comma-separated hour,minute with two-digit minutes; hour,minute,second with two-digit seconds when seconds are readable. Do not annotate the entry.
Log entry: 11,07
